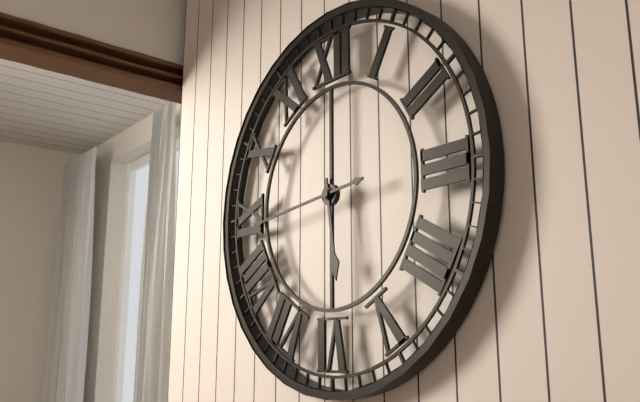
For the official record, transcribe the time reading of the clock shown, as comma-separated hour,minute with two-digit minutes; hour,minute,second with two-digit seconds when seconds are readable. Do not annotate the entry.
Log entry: 5,44
